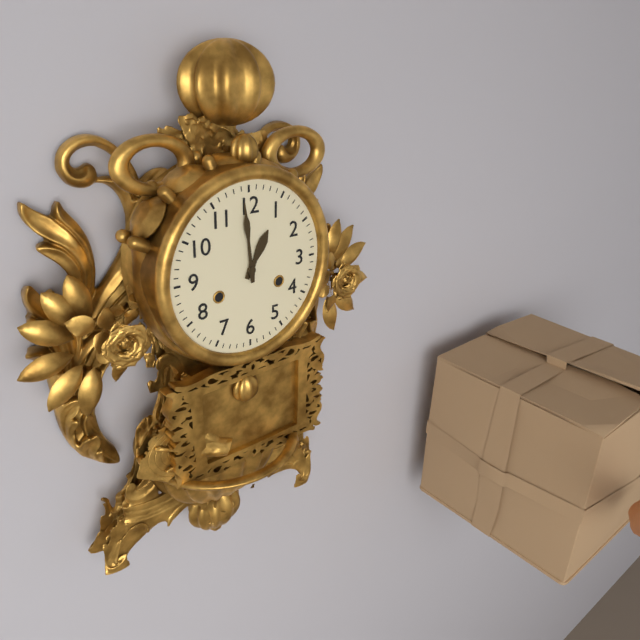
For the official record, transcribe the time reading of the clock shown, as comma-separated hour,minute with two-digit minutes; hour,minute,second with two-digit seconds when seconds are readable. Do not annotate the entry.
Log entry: 12,59
